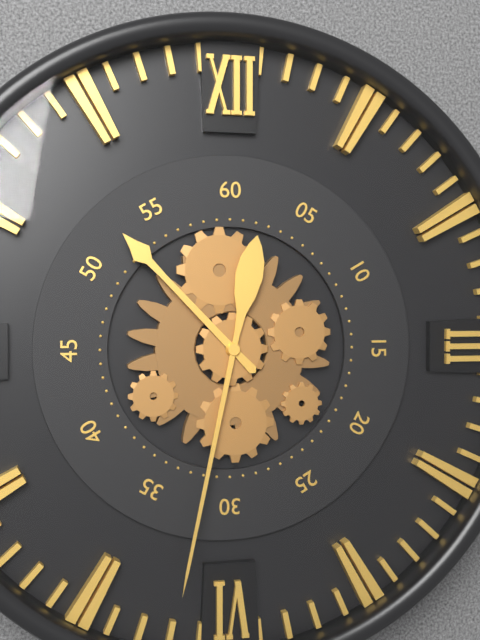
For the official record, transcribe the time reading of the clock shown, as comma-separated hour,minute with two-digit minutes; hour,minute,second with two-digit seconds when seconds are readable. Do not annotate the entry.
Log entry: 10,32
